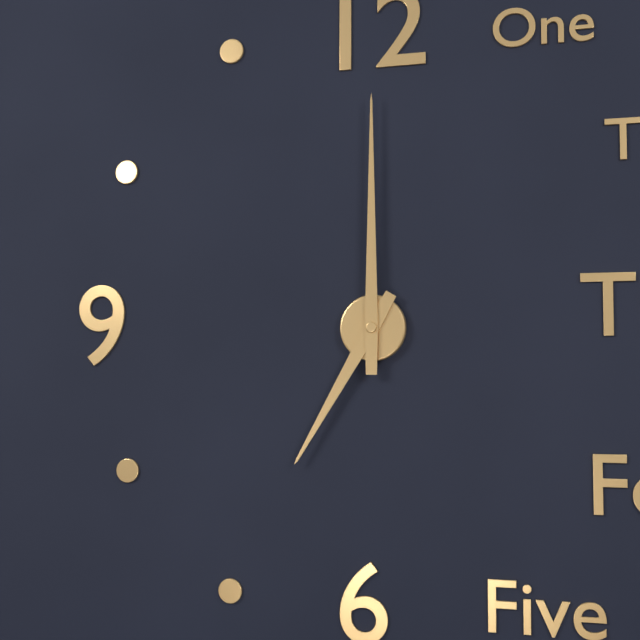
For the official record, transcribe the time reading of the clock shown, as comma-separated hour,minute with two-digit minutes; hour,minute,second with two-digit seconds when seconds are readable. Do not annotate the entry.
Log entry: 7,00
